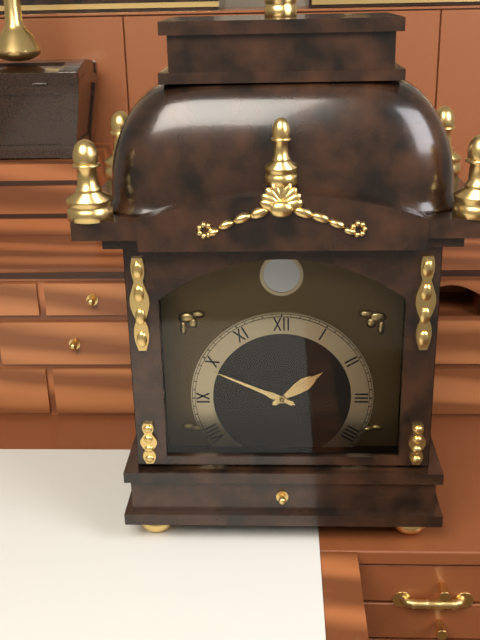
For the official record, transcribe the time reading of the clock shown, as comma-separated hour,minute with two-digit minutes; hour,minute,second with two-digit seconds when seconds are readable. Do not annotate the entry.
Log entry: 1,49
